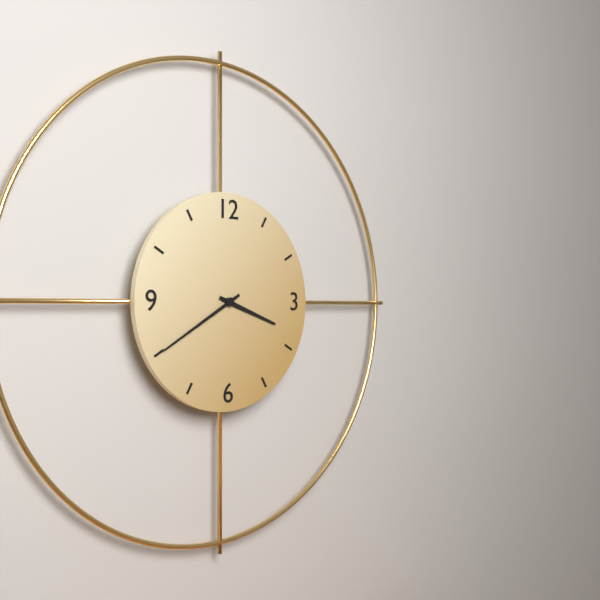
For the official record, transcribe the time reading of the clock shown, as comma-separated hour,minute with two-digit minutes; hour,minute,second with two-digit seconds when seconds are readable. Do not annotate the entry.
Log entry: 3,40
